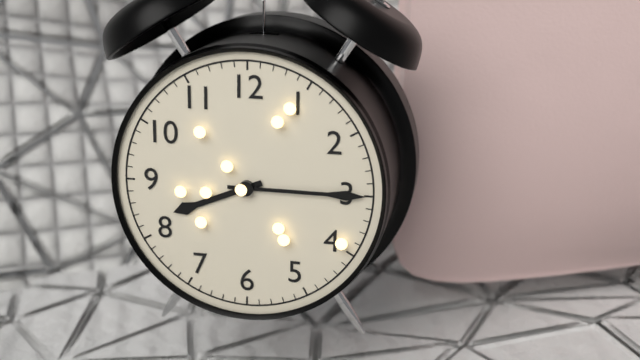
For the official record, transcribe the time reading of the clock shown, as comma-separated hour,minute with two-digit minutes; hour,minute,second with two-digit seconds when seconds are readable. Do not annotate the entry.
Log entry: 8,15
